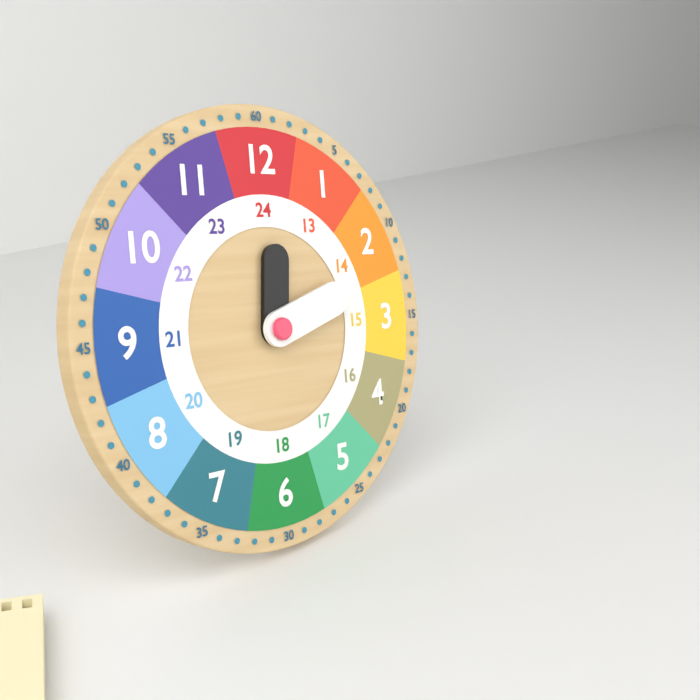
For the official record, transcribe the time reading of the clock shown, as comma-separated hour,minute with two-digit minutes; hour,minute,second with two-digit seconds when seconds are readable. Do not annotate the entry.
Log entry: 12,12
